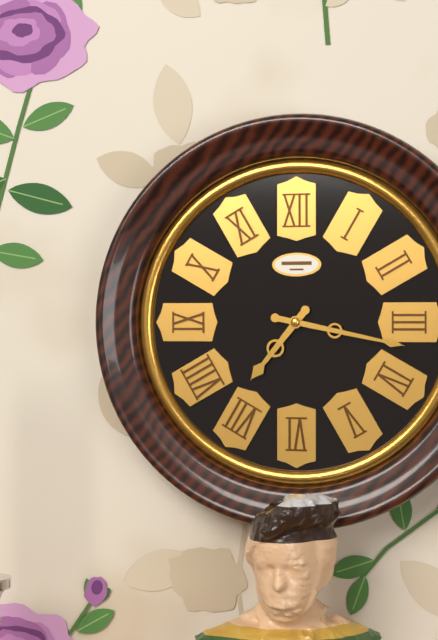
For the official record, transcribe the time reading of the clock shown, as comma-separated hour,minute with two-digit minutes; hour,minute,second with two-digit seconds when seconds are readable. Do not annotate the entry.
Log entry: 7,17
